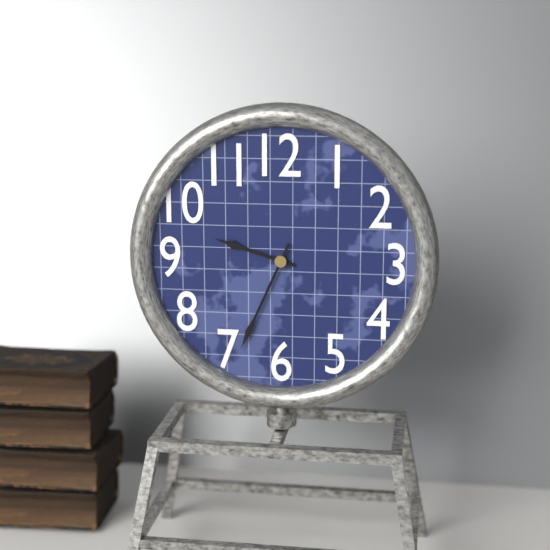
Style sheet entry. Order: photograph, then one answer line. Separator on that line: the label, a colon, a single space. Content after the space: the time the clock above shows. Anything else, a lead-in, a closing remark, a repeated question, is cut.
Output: 9:34
